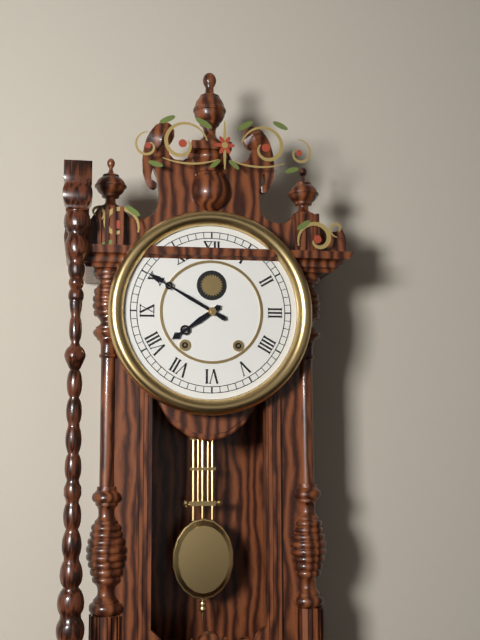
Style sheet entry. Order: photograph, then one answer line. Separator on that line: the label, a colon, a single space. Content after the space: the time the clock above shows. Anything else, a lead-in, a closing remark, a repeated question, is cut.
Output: 7:50
